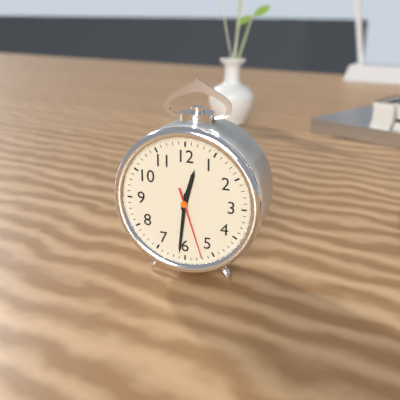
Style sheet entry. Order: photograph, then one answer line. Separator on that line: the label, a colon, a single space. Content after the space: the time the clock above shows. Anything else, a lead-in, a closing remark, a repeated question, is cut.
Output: 12:31:27
